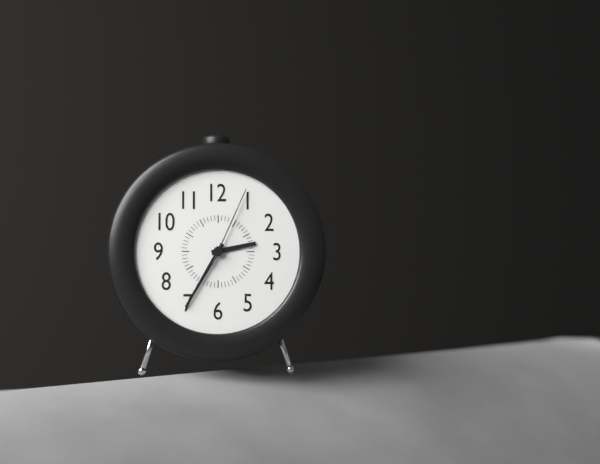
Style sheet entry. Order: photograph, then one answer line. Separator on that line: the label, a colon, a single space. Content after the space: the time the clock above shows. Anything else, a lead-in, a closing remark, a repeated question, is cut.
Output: 2:35:04
